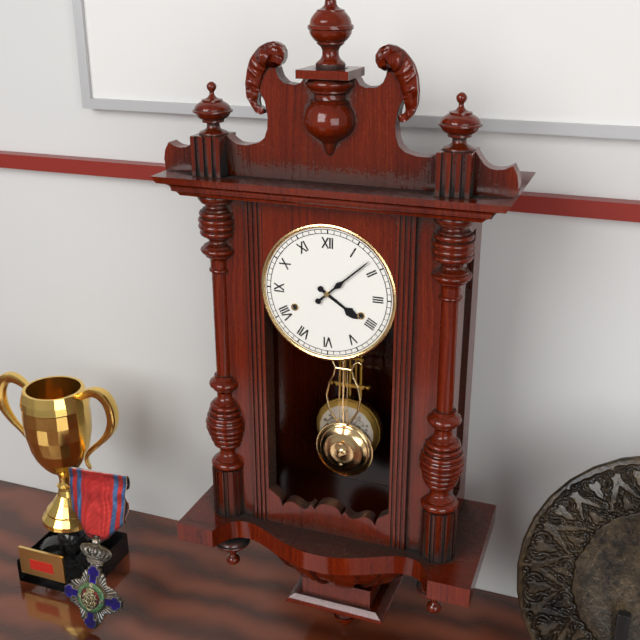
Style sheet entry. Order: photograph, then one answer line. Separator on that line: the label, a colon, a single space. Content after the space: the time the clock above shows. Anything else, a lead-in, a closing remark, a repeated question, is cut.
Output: 4:08
